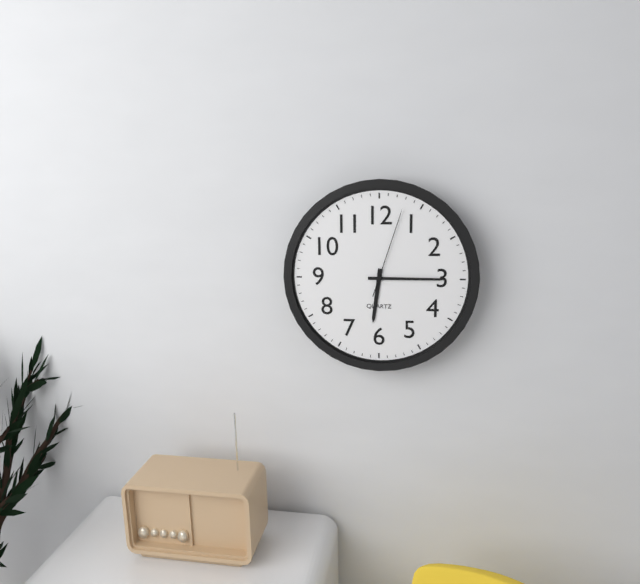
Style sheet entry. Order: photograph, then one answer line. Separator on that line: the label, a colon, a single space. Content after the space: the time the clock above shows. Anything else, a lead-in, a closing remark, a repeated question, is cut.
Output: 6:15:03
